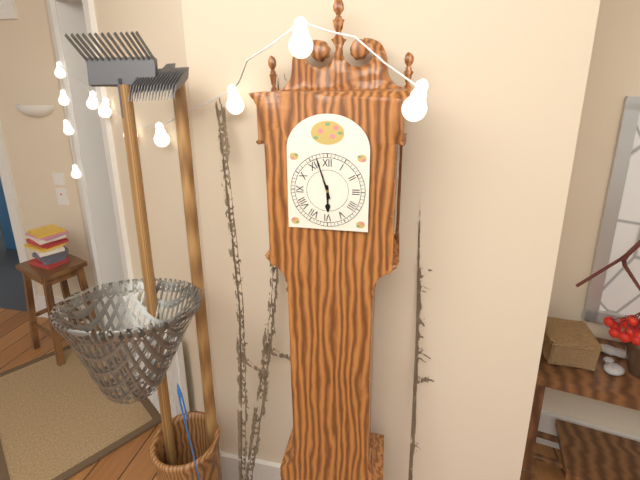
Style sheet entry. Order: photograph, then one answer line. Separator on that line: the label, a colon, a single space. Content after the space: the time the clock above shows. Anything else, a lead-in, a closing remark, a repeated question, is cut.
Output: 5:57
